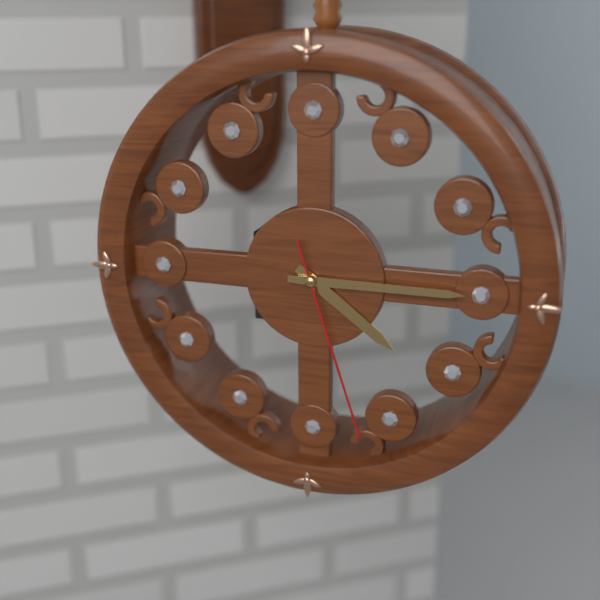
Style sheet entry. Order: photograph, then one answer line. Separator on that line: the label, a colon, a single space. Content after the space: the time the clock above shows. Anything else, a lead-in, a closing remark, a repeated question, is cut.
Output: 4:15:27
